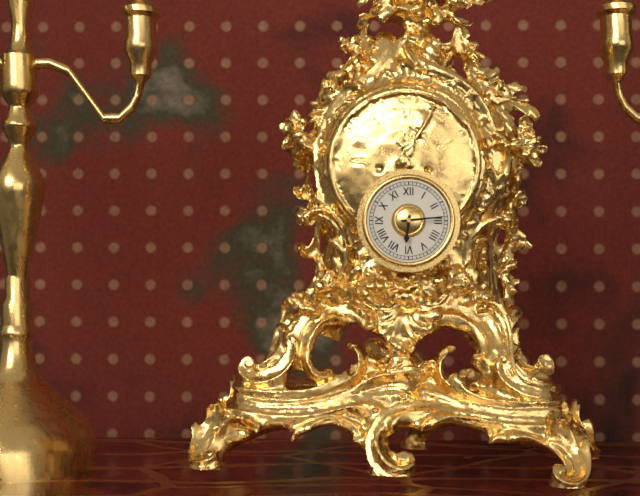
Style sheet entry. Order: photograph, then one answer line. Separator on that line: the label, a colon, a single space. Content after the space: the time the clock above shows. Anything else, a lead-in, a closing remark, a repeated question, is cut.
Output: 6:14
